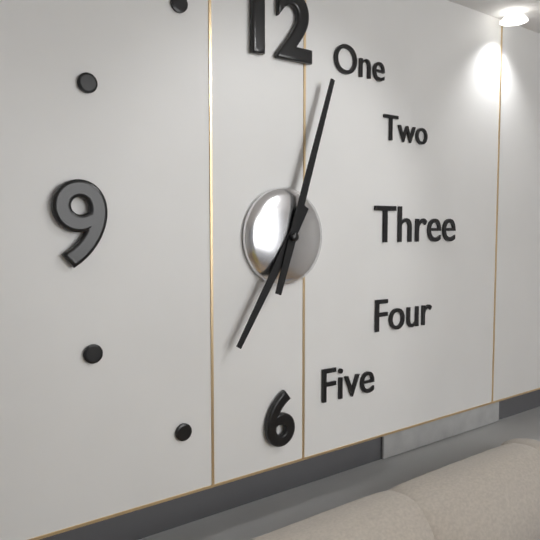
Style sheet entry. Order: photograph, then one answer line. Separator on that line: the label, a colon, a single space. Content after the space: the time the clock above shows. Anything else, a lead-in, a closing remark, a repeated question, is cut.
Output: 7:03
